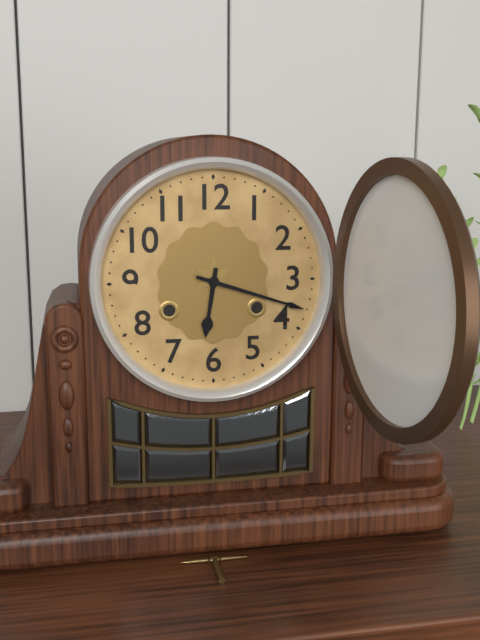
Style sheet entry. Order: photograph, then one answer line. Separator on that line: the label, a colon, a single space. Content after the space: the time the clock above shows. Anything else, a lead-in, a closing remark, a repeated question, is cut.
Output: 6:18
